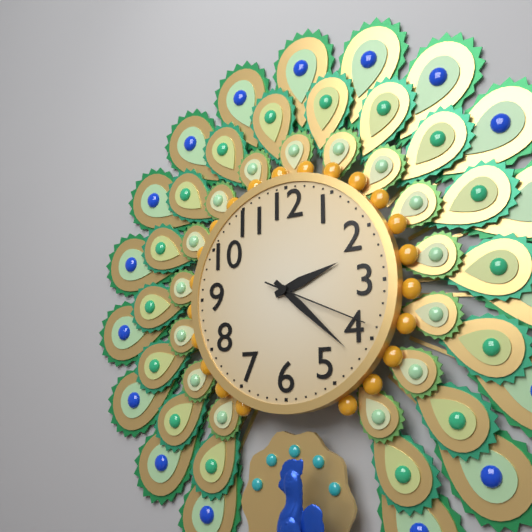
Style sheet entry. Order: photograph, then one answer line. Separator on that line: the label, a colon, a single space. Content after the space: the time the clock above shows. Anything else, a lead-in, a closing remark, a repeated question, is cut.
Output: 2:22:19
